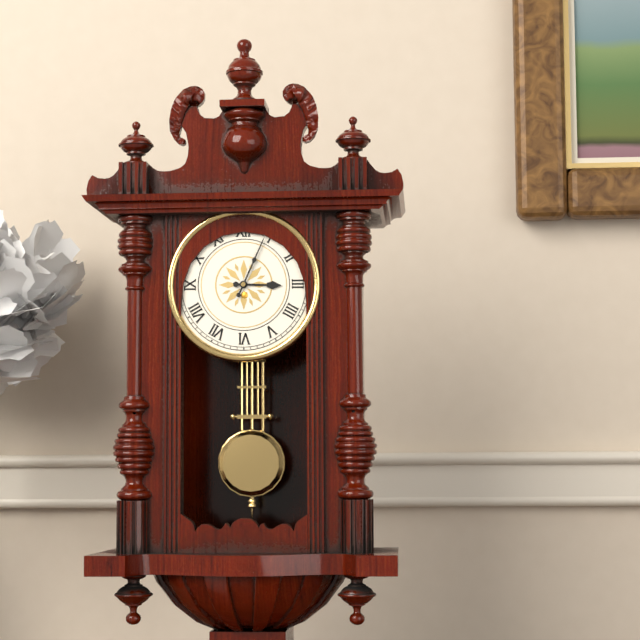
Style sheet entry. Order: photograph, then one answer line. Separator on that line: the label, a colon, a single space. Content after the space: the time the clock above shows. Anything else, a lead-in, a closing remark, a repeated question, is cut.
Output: 3:04
